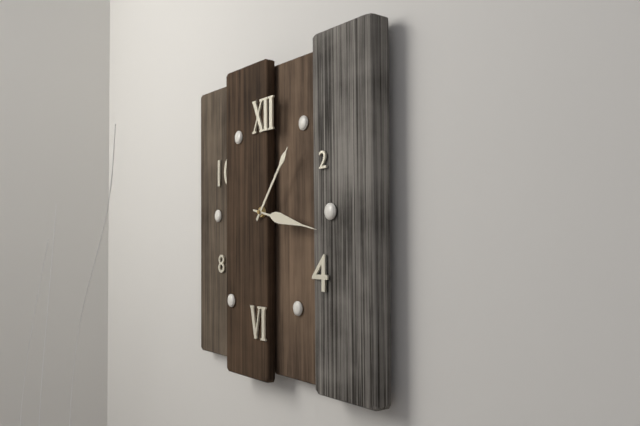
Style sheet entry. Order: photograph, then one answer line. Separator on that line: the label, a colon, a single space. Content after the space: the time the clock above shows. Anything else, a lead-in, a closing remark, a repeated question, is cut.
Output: 1:17
